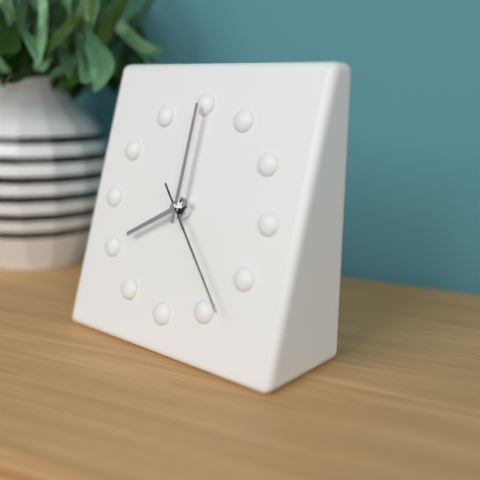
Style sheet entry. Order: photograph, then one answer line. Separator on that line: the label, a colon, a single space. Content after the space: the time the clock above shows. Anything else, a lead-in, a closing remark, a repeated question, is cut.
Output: 8:00:23
